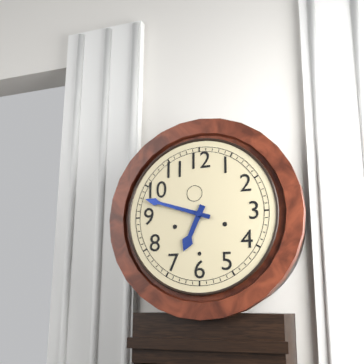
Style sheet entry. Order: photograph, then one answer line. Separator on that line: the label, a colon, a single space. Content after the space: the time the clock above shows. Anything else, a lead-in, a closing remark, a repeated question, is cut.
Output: 6:48
